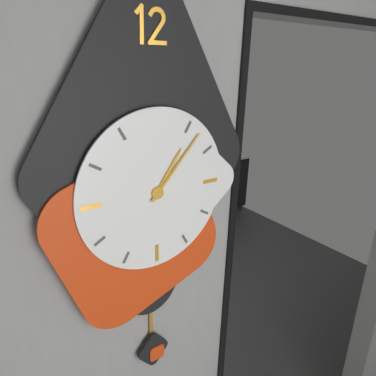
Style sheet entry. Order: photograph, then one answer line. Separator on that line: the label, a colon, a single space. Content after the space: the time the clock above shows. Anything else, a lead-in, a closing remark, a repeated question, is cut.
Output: 1:07
